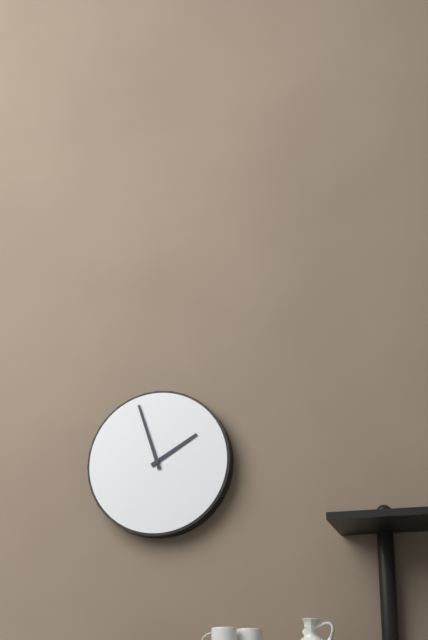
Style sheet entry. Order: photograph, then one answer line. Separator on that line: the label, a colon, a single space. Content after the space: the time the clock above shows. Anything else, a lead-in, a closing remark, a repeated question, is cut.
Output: 1:57
